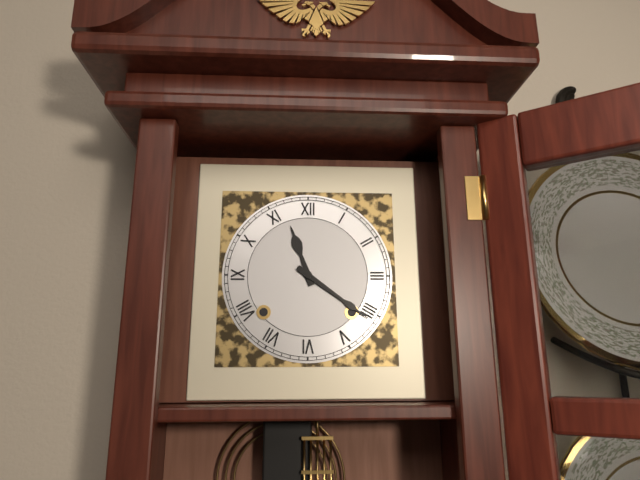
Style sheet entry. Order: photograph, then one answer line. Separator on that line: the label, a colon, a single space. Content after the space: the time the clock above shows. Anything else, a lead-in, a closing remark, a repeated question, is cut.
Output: 11:21
